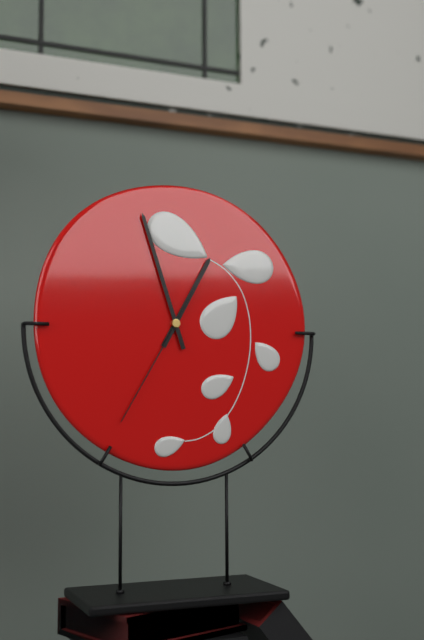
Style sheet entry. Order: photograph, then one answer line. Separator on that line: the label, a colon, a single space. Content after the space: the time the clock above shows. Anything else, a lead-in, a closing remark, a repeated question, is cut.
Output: 12:57:35
